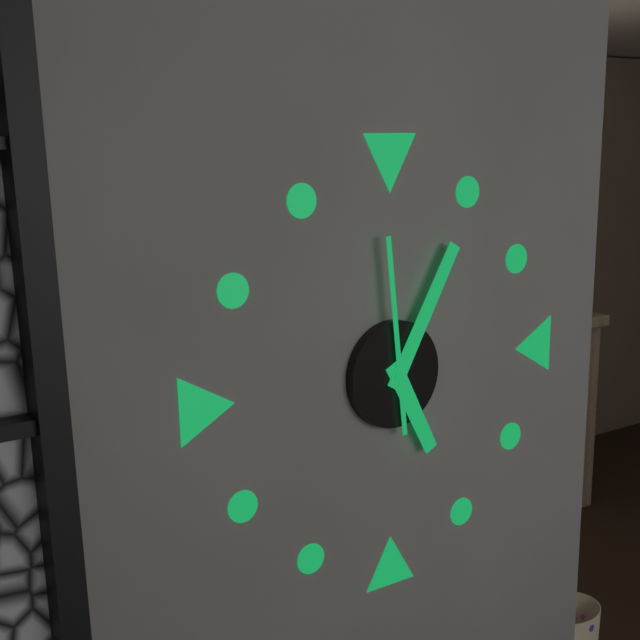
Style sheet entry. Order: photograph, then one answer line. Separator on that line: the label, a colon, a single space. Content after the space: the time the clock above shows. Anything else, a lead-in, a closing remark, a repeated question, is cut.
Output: 5:05:59
